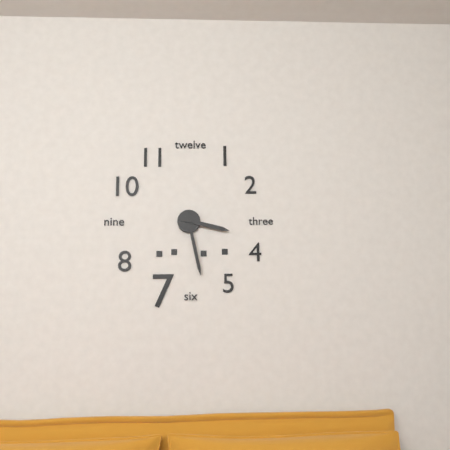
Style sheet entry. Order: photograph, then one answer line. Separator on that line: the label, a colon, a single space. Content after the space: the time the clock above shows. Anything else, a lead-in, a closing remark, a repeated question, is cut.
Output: 3:28
